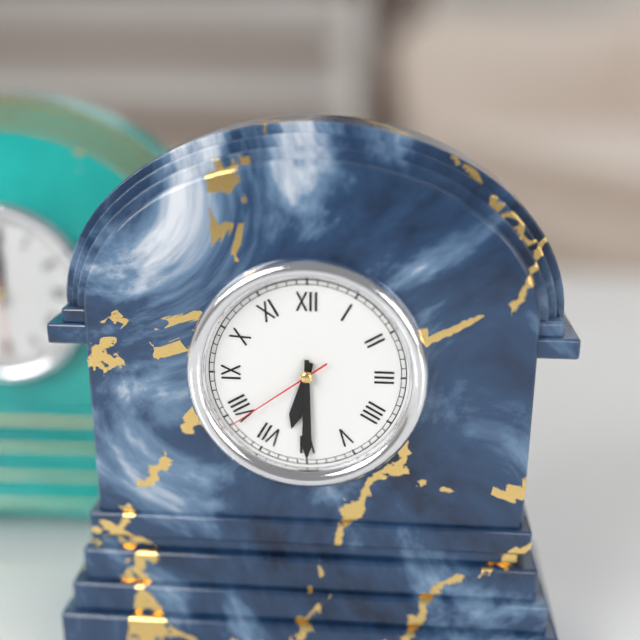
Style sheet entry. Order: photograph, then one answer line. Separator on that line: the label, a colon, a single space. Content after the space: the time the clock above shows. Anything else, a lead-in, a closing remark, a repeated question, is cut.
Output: 6:30:39
